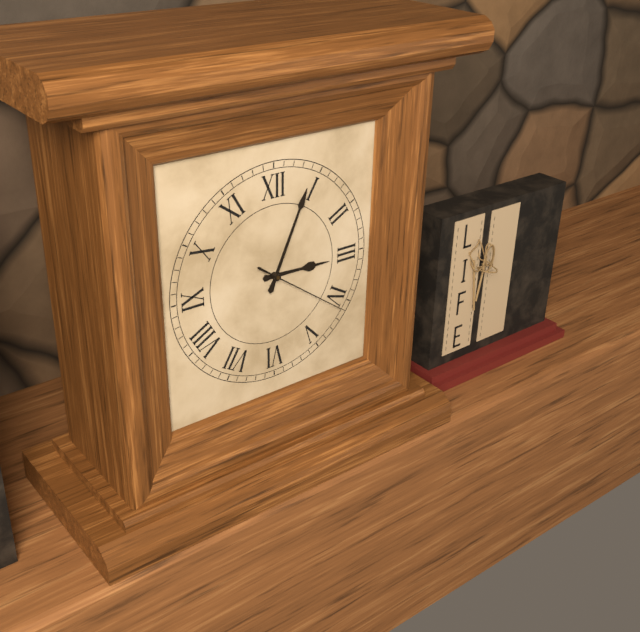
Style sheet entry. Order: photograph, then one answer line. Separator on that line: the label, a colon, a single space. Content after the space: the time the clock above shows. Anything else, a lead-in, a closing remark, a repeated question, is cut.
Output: 3:04:21
